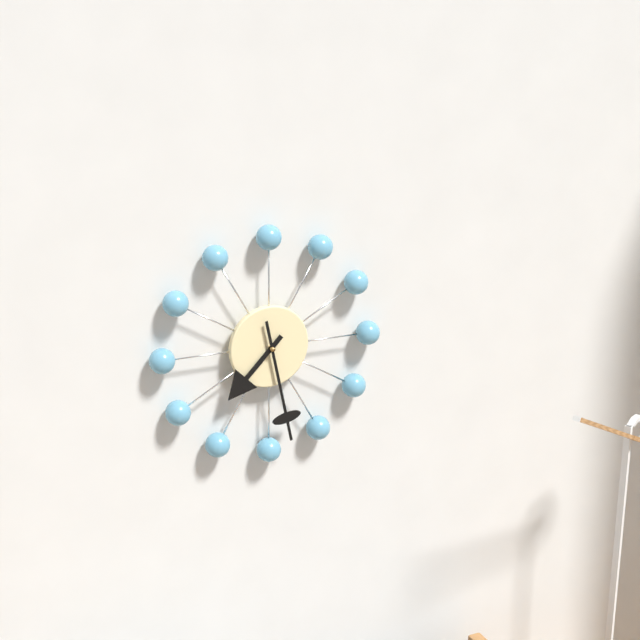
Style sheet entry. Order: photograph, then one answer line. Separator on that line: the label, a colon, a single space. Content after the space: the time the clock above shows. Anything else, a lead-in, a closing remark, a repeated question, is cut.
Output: 7:28
